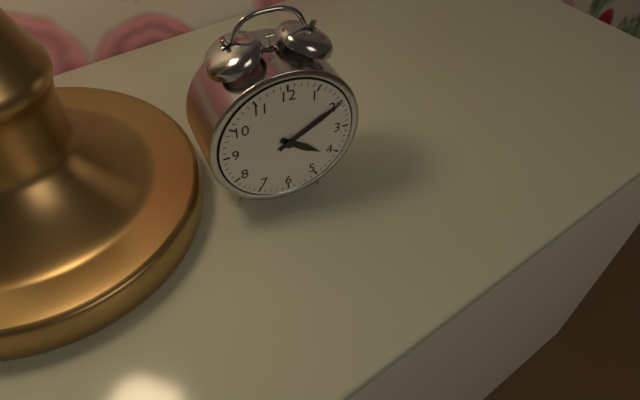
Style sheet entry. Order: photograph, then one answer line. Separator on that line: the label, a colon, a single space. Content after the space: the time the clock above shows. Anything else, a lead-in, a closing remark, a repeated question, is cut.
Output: 4:10
